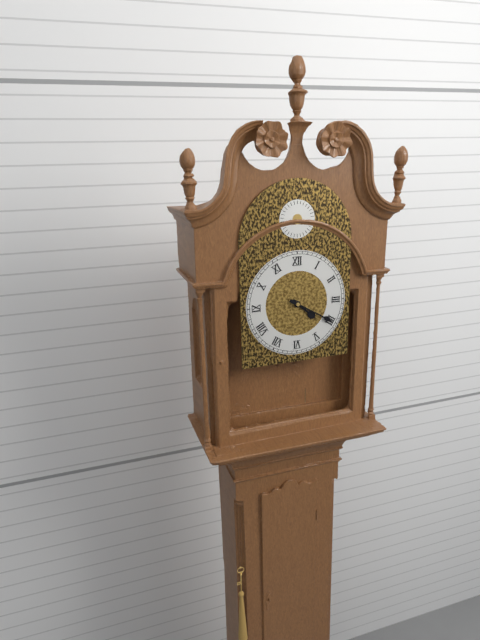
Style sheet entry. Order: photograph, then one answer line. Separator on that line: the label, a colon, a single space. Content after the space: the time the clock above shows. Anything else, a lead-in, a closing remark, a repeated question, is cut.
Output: 4:20
